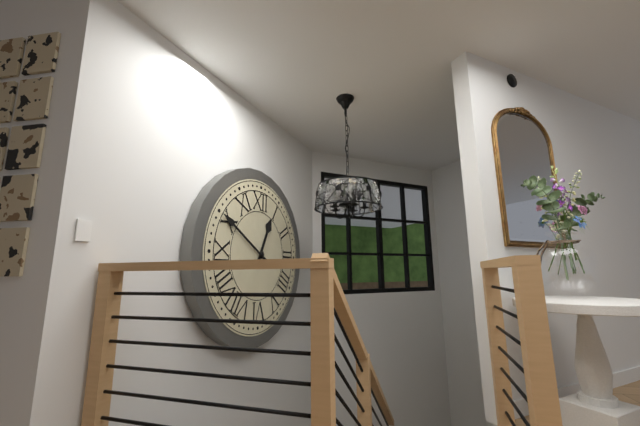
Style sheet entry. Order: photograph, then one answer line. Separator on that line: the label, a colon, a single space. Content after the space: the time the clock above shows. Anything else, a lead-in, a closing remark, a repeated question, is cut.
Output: 12:50
